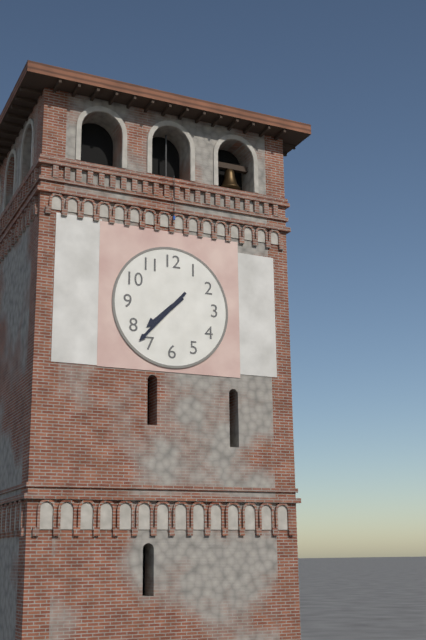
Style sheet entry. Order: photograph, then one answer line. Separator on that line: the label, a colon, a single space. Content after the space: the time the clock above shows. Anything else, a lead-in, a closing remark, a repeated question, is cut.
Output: 7:37
